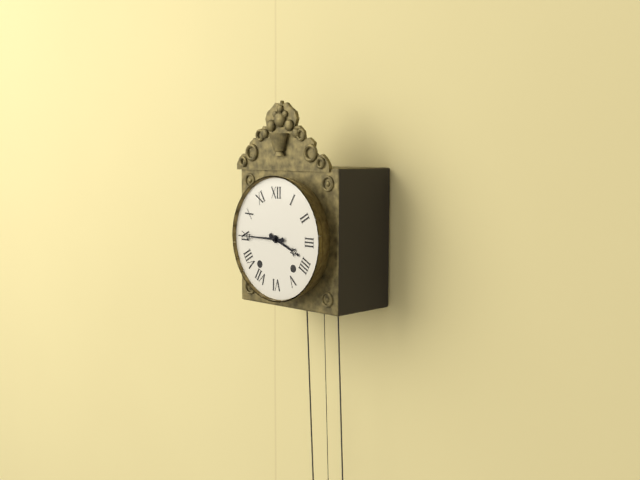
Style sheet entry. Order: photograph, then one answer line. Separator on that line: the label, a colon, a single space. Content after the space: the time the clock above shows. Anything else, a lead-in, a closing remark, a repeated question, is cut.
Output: 3:45
